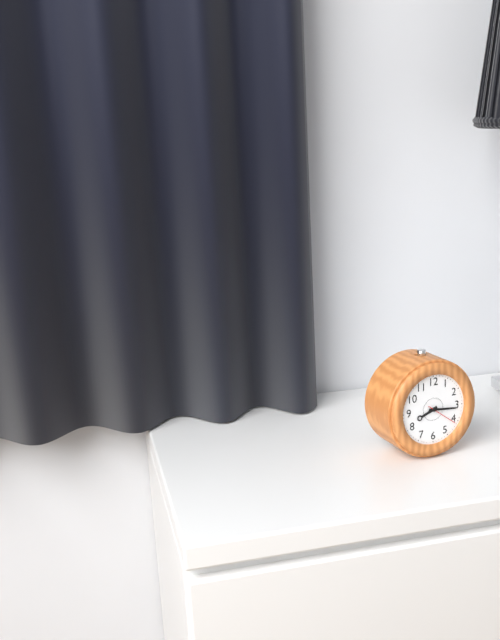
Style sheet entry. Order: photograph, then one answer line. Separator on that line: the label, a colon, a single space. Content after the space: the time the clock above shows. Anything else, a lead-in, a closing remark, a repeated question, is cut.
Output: 8:16:21
